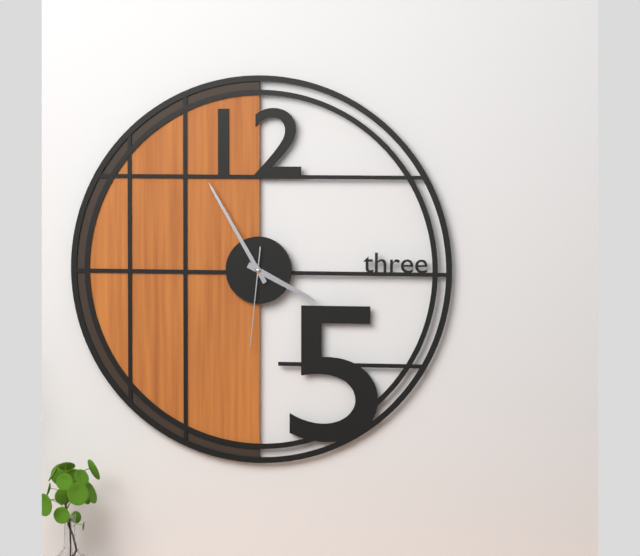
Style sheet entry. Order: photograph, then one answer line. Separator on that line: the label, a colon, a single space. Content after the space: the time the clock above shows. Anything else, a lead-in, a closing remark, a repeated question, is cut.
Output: 3:55:31
